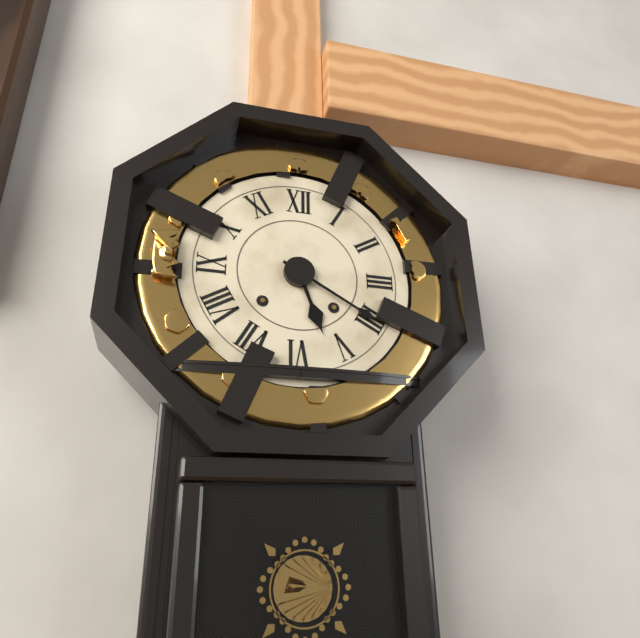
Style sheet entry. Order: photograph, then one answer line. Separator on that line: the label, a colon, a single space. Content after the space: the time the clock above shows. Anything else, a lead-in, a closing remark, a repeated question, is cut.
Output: 5:20
